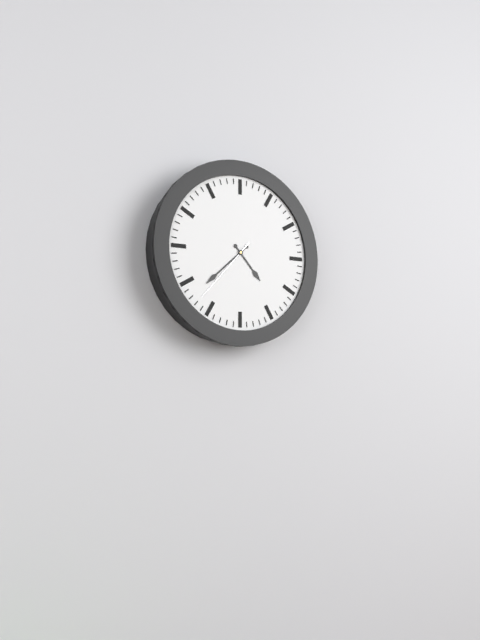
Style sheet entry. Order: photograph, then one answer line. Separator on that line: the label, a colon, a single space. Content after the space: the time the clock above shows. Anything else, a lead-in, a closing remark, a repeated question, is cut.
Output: 4:38:37
